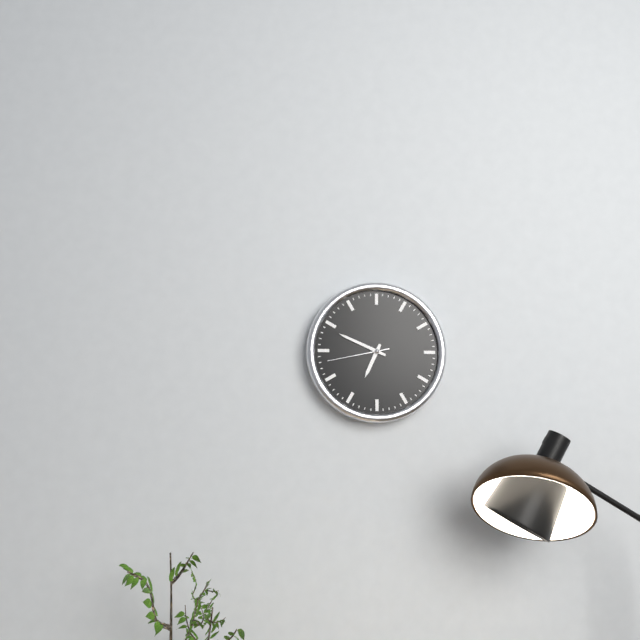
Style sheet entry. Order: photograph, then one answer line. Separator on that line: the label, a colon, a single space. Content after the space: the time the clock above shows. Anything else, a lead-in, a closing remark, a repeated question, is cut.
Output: 6:49:43
